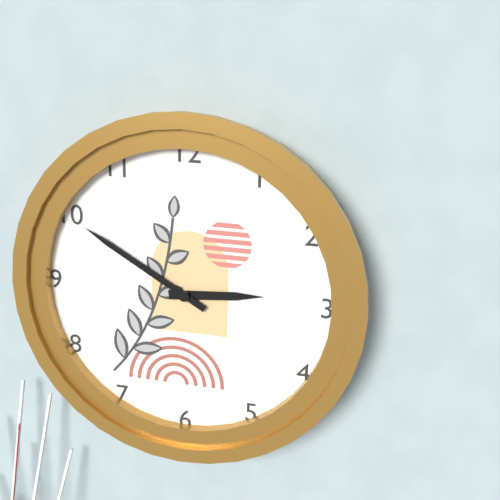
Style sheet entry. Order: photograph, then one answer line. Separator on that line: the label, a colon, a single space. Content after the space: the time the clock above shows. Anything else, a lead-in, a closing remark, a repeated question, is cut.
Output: 2:50
